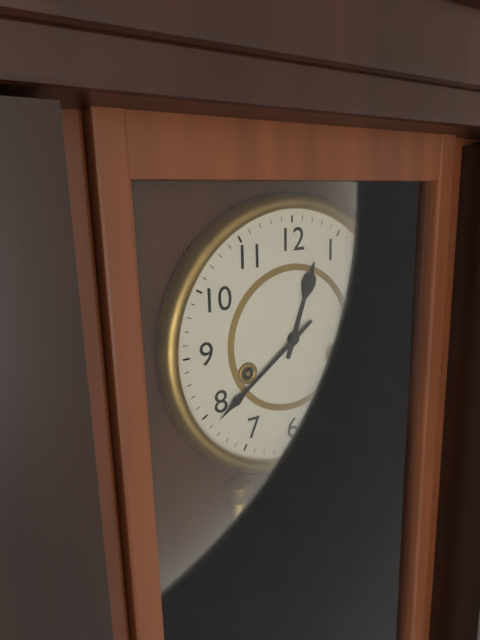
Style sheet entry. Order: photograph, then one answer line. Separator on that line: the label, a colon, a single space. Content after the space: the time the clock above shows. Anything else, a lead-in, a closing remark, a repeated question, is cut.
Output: 12:39
